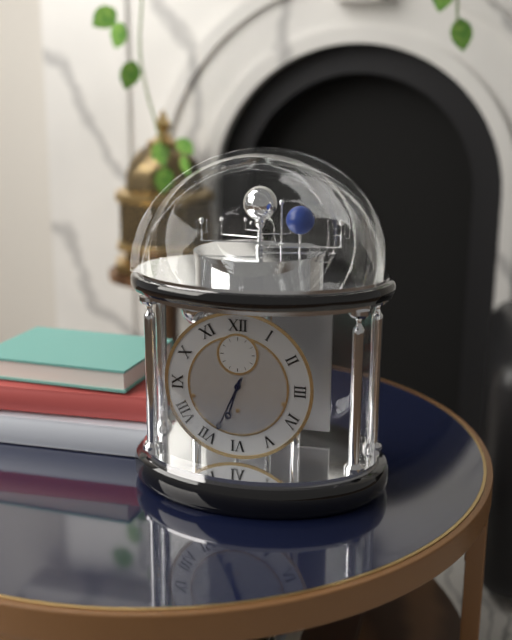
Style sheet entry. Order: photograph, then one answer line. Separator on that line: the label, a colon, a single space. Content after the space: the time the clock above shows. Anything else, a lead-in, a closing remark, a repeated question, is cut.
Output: 6:34
